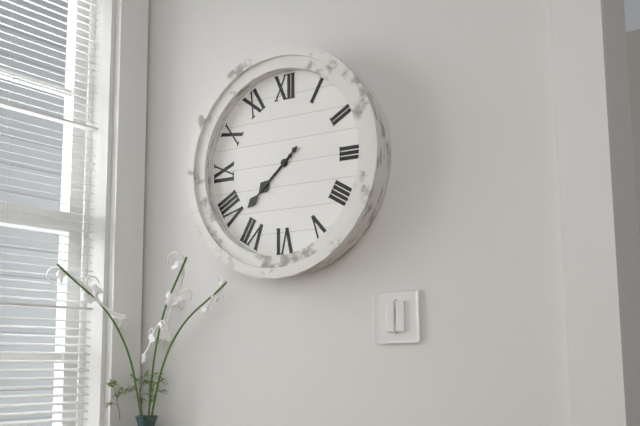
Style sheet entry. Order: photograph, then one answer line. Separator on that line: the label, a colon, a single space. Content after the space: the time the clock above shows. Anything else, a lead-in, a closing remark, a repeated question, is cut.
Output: 7:38
